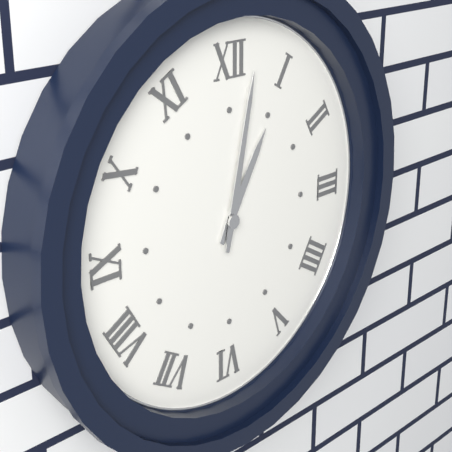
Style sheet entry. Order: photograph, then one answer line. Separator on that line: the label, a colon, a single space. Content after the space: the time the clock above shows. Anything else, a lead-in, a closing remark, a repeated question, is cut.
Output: 1:02
